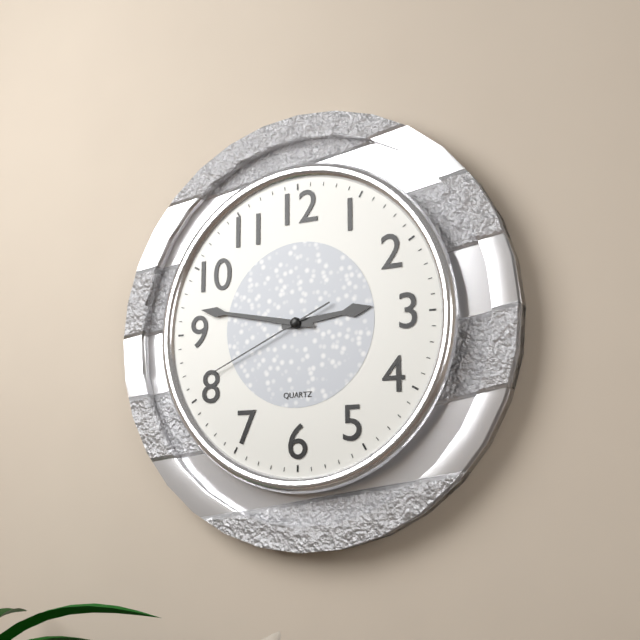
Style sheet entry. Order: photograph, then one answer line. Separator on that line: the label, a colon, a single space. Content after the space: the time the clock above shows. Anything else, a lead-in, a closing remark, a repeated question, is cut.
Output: 2:47:41
